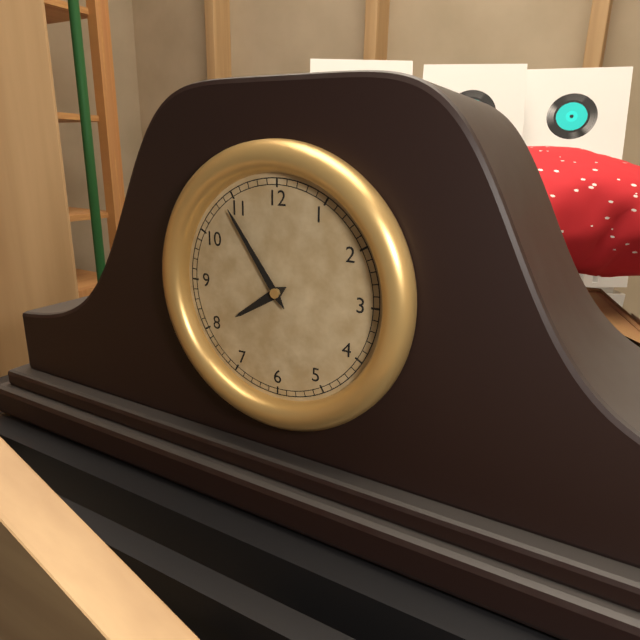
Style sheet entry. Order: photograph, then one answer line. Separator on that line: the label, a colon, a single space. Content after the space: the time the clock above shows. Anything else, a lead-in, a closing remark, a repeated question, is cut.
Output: 7:54
